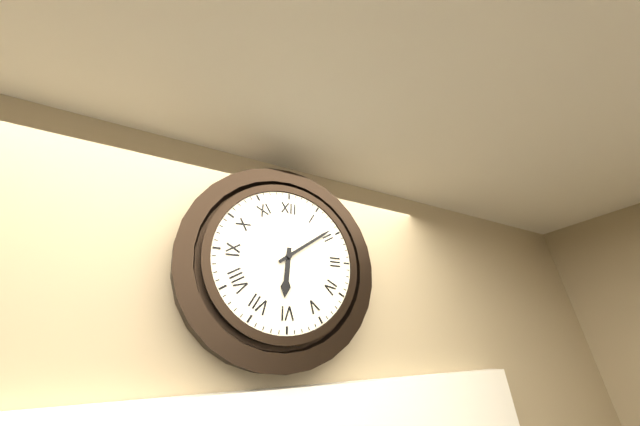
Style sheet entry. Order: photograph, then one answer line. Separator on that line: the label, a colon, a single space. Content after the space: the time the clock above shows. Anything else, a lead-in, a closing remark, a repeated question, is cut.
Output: 6:09
